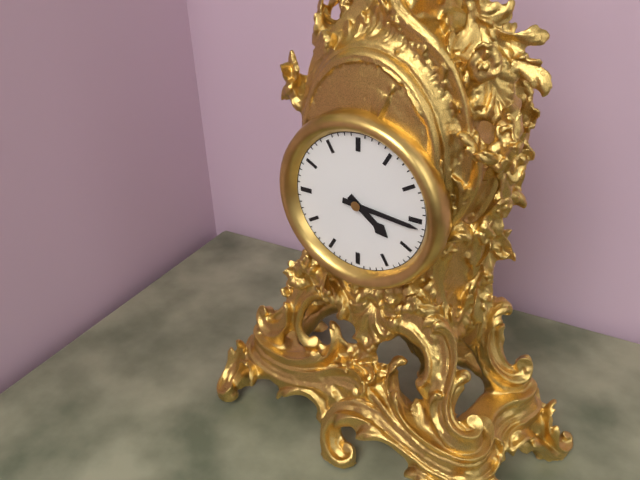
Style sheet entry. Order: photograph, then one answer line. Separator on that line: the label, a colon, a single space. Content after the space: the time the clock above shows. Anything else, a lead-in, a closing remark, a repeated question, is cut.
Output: 4:16
